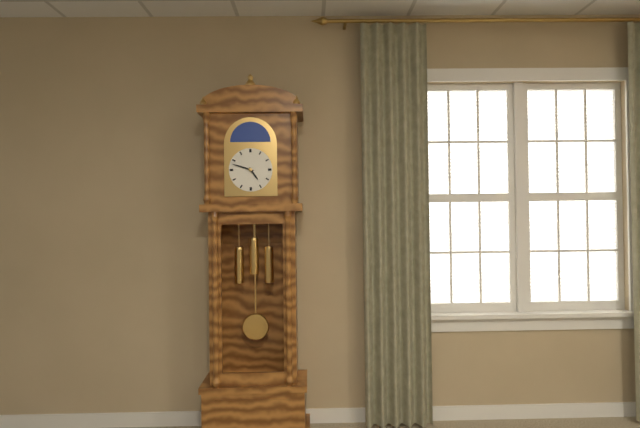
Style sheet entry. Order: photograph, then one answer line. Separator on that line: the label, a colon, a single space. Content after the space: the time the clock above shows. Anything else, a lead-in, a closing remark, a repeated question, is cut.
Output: 4:48
